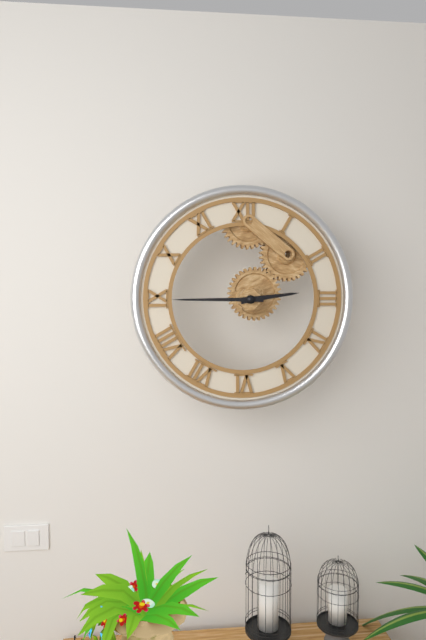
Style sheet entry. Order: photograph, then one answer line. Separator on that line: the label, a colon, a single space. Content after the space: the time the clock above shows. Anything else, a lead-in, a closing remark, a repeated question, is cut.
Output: 2:45
